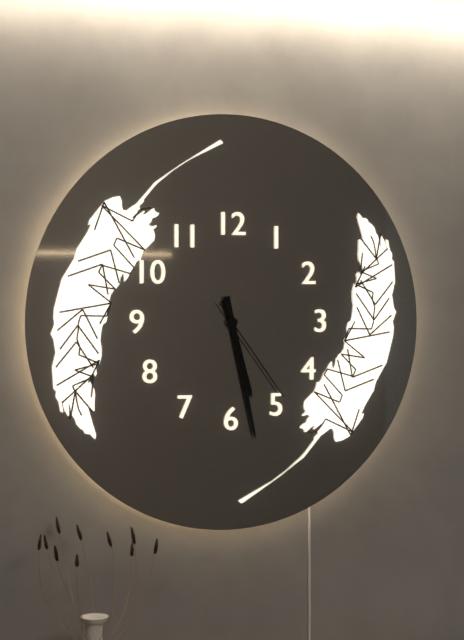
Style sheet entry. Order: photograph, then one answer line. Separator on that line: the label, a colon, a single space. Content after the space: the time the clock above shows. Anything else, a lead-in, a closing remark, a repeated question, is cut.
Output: 5:28:24
